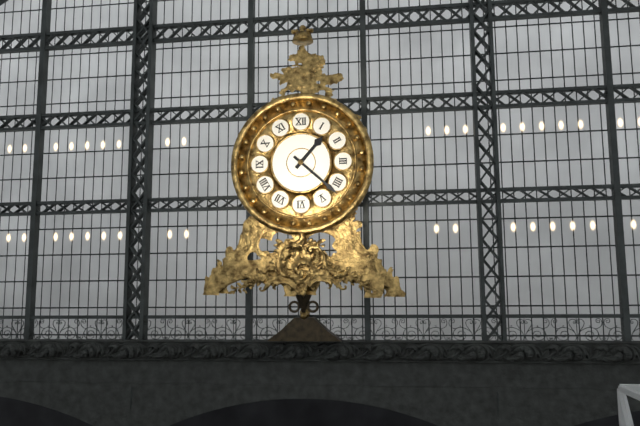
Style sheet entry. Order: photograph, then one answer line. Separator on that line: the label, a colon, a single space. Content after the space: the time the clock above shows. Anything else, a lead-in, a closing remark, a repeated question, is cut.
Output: 1:22
